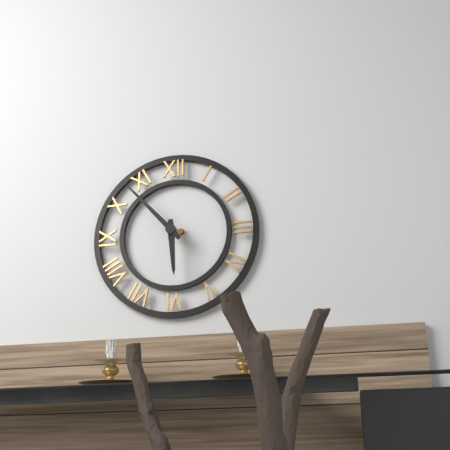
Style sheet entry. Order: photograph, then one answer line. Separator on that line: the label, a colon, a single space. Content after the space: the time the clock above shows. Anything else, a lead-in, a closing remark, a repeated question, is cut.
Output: 5:53
